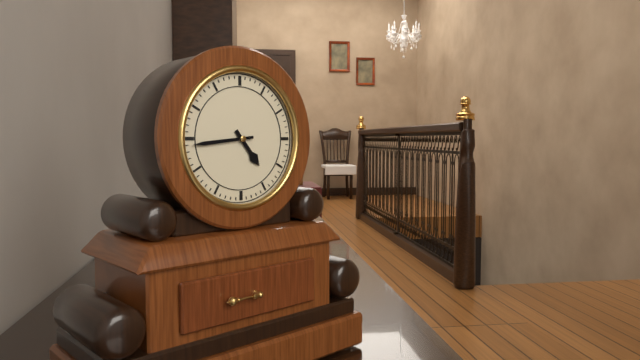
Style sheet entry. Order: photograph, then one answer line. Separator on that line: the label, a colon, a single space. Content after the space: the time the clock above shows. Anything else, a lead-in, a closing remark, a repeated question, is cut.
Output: 4:44
